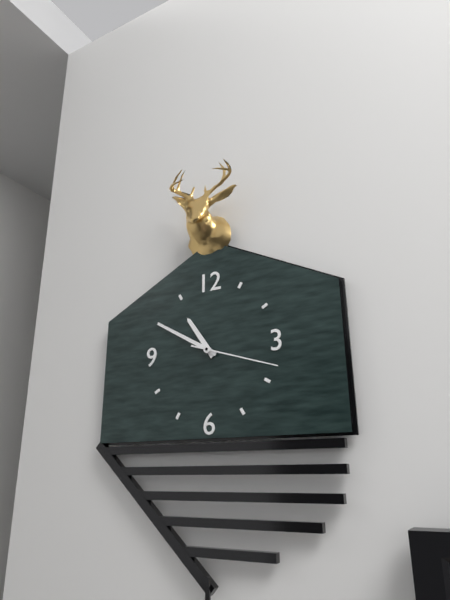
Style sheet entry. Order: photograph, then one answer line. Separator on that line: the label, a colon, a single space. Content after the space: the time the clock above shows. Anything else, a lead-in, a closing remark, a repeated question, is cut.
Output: 10:50:18
